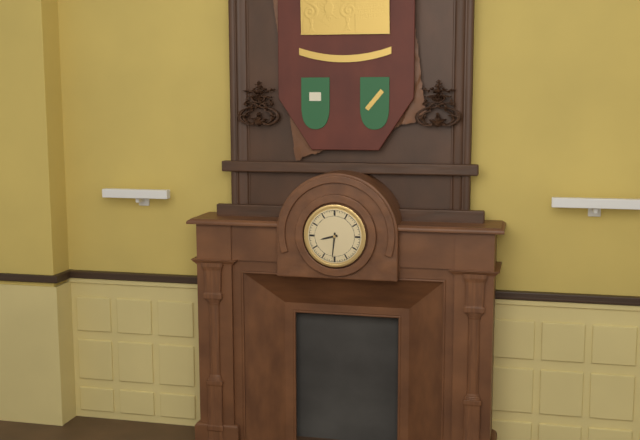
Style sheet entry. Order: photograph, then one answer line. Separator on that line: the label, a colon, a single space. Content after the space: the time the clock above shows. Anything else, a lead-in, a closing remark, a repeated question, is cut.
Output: 8:31
